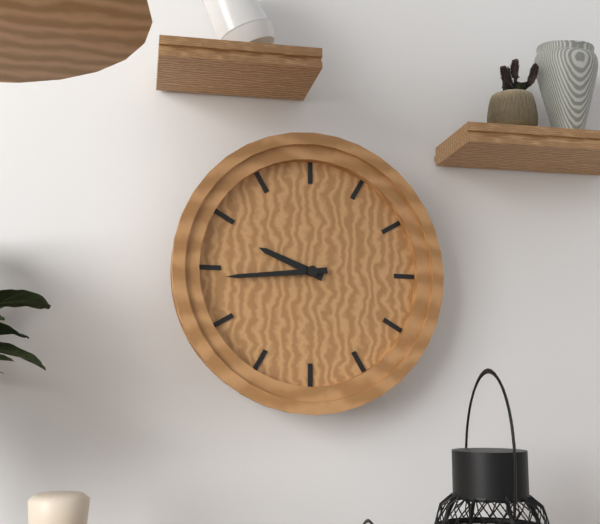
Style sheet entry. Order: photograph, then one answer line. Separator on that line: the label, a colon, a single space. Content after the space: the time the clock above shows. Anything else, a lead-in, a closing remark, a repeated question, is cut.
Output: 9:44
